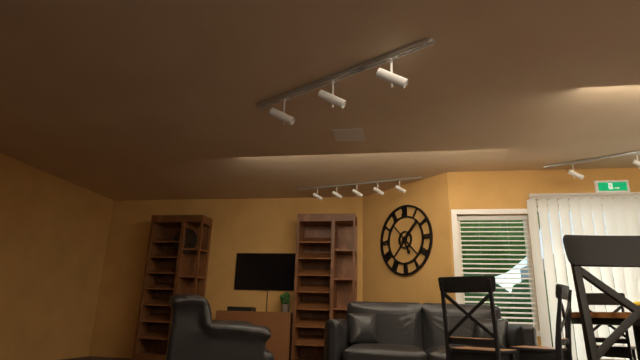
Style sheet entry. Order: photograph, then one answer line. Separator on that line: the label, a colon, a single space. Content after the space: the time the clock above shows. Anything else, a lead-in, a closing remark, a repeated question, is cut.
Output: 5:08
